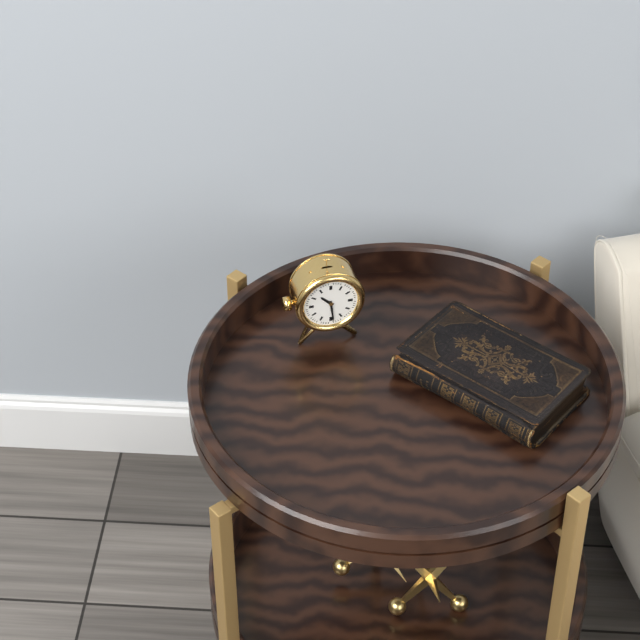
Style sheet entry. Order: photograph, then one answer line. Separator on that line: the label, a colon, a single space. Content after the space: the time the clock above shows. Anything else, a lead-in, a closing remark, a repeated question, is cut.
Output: 10:29
